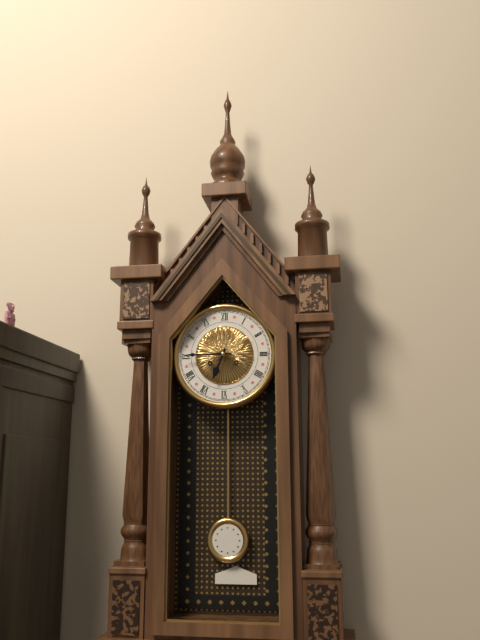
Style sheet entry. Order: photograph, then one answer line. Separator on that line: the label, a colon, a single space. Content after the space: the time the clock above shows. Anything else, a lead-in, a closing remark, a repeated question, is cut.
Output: 6:45
